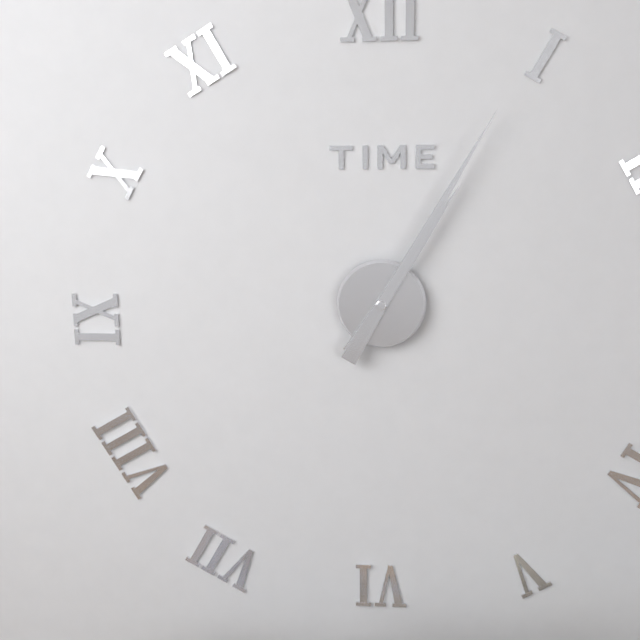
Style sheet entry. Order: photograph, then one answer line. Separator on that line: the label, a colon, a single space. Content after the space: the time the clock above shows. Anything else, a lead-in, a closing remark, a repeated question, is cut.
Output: 1:05
